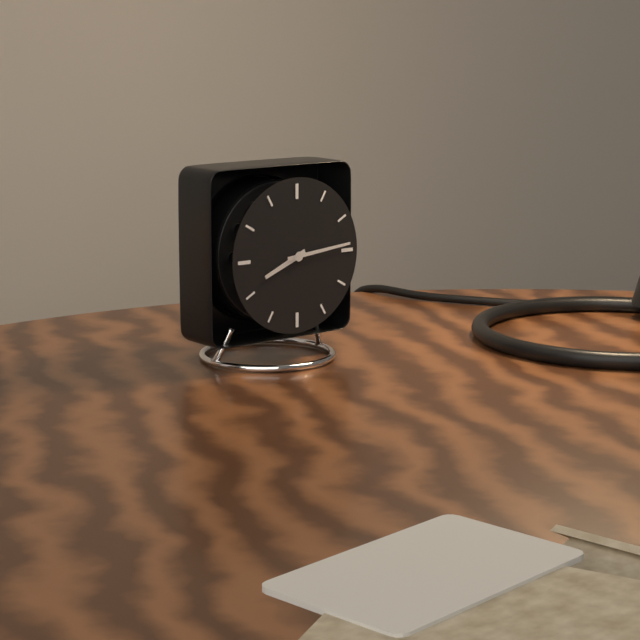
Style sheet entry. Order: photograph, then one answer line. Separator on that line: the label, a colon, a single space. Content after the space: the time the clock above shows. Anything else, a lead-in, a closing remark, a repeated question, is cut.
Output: 8:14
